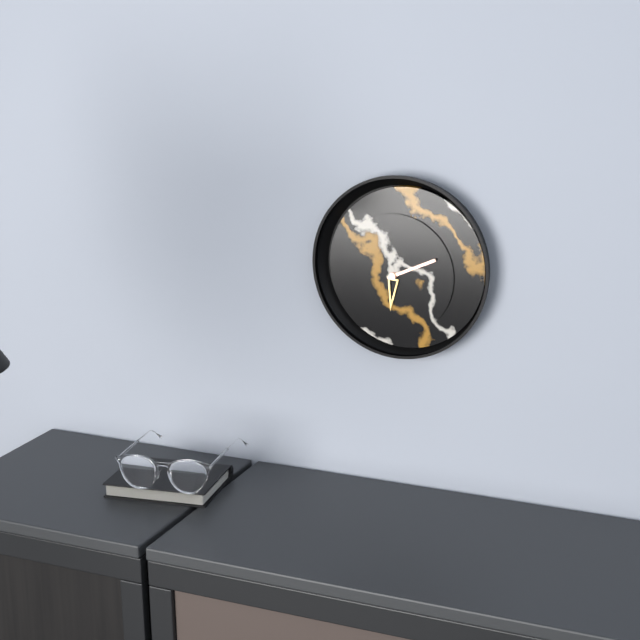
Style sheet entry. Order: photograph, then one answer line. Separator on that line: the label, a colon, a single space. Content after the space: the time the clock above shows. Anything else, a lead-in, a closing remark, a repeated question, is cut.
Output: 6:11
